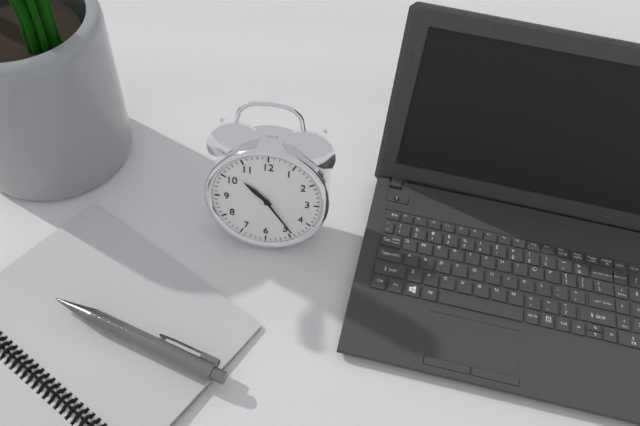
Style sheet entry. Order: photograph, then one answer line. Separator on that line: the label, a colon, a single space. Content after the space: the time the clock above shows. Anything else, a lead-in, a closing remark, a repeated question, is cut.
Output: 10:24
